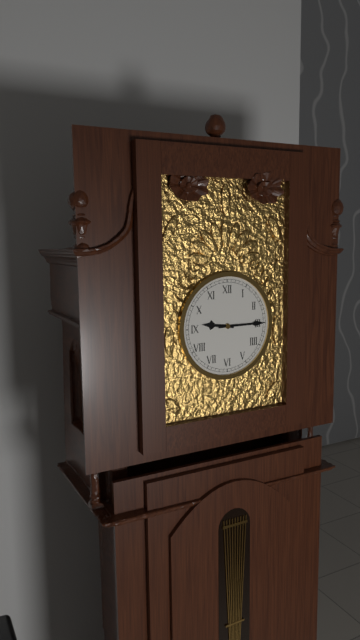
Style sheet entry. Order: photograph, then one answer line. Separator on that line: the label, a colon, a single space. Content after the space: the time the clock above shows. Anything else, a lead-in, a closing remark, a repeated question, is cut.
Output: 9:15
